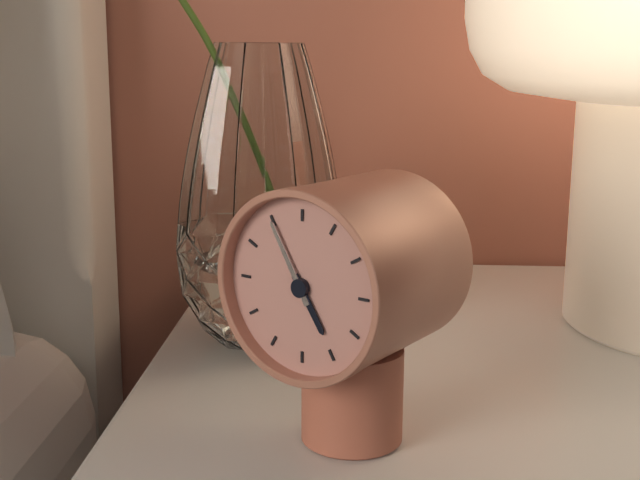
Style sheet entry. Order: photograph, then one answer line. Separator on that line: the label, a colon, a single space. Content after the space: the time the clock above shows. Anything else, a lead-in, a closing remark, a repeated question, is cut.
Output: 4:55
